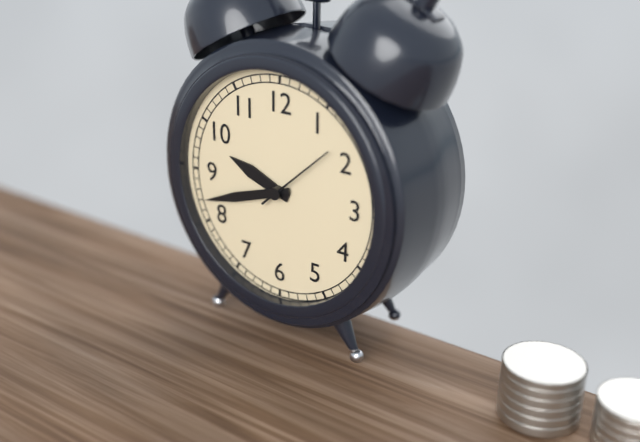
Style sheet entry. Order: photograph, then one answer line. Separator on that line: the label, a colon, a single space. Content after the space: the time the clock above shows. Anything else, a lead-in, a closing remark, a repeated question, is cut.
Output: 9:42:08
